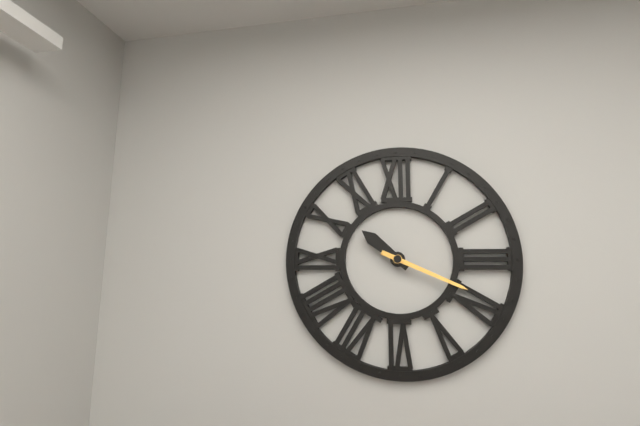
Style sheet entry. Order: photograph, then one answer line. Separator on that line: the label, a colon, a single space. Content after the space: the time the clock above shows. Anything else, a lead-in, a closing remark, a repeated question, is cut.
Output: 10:19
